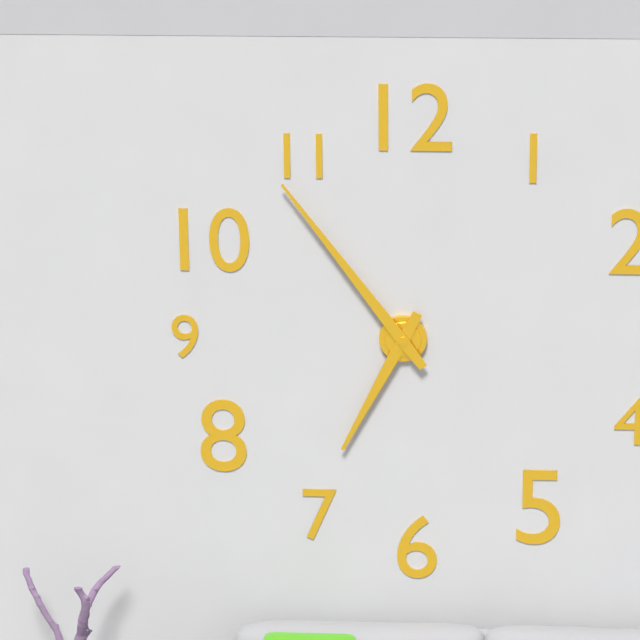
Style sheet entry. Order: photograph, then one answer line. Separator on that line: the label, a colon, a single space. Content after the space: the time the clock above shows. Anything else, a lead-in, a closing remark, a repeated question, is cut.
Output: 6:54
